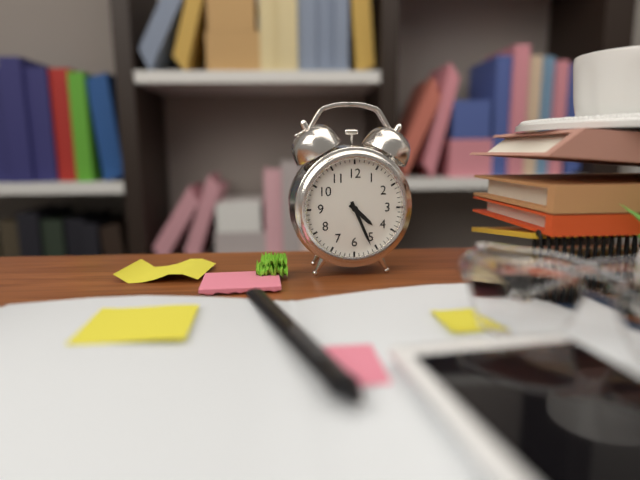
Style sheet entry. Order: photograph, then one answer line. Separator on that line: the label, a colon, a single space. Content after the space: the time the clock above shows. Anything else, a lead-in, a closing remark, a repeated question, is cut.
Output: 4:26
